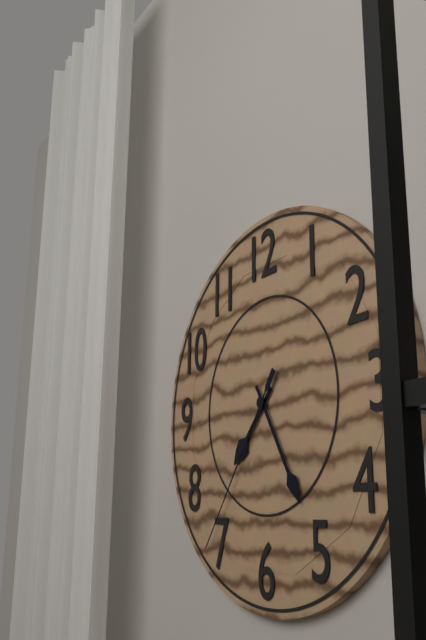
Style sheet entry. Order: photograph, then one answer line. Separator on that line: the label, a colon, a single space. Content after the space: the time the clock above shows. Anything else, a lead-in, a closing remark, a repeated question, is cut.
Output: 7:25:36
